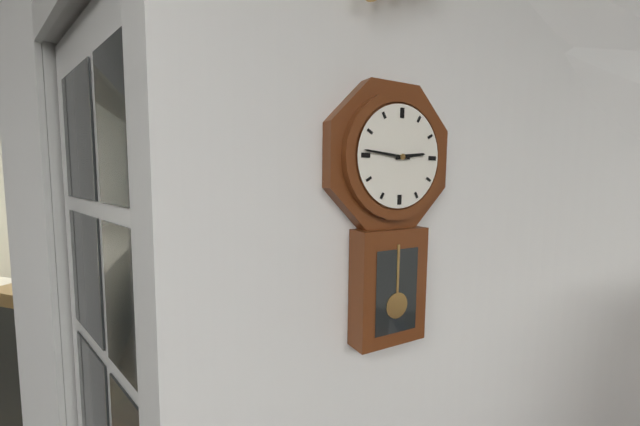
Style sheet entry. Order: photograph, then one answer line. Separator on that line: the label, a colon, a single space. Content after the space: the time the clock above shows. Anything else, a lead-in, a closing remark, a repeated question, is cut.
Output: 2:46
